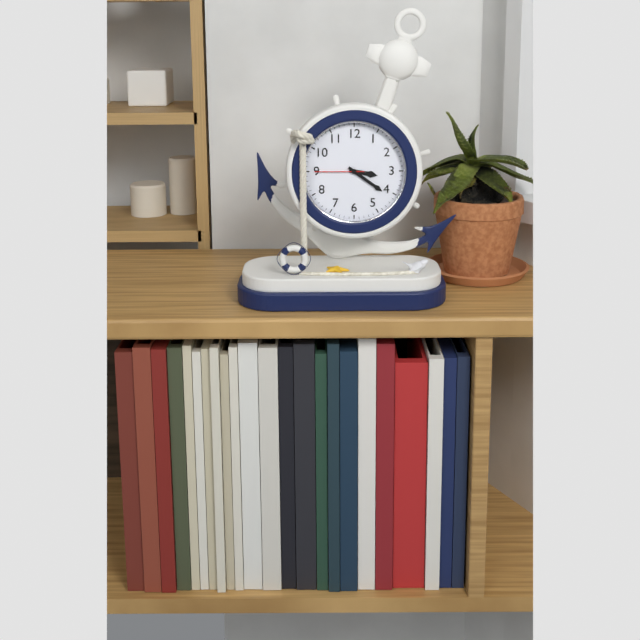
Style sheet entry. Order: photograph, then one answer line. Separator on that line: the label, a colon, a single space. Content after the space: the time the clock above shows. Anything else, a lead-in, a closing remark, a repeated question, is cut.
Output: 3:21:45
